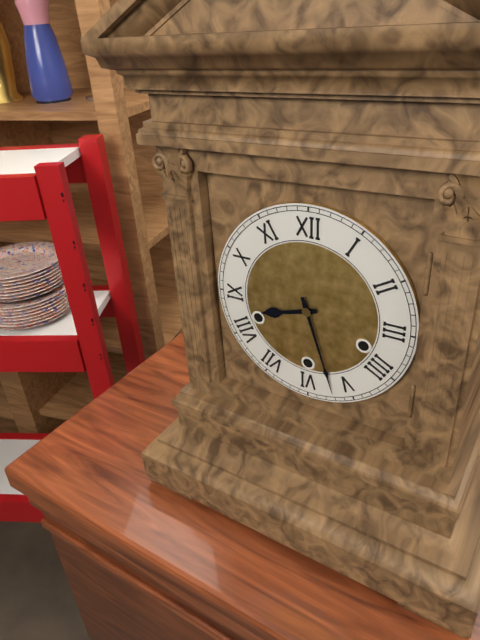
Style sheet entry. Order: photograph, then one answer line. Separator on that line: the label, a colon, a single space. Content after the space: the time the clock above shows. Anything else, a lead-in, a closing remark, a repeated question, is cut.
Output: 8:27
